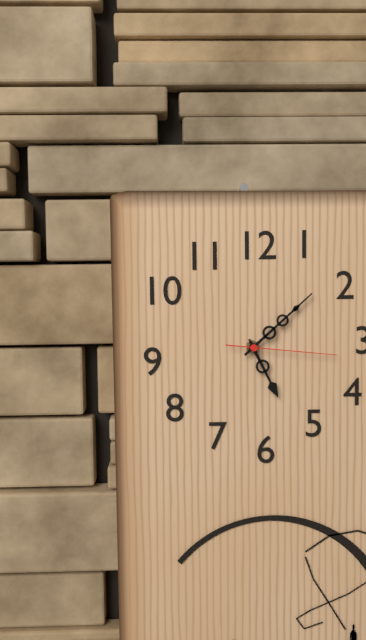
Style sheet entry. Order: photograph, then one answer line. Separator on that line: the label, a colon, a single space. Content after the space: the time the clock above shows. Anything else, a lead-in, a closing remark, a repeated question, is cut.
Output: 5:08:16
